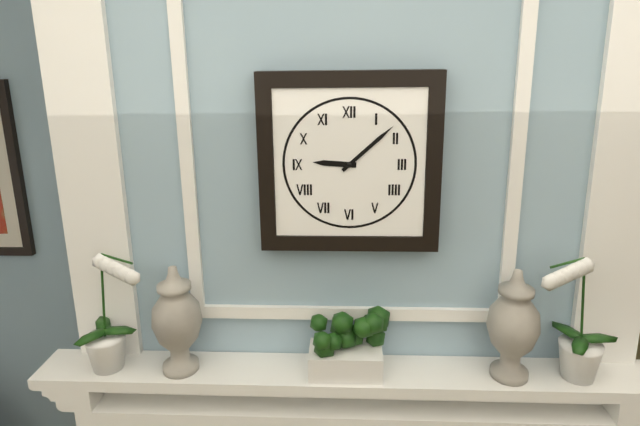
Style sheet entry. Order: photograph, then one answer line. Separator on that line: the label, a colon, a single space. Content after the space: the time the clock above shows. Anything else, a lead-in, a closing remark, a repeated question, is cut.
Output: 9:08
